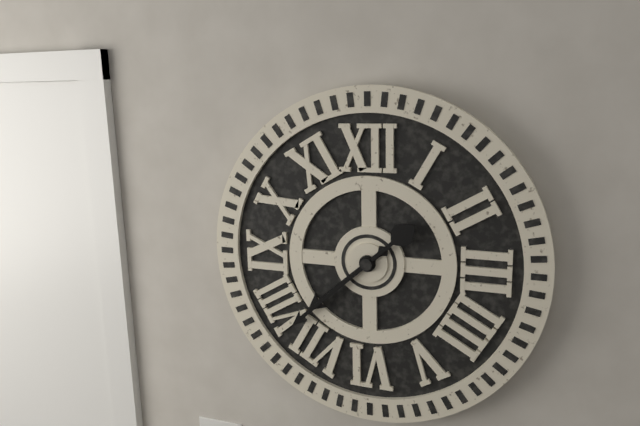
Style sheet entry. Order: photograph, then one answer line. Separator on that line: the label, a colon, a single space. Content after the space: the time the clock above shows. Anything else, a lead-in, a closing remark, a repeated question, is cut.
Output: 7:38
